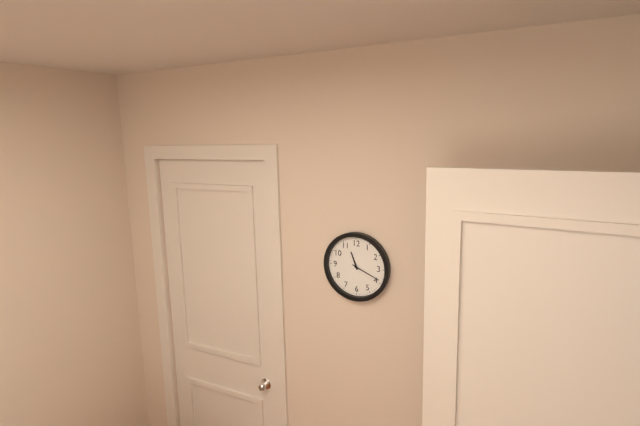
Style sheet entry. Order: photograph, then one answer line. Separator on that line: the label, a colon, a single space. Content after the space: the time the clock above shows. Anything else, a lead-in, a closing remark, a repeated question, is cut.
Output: 11:19
